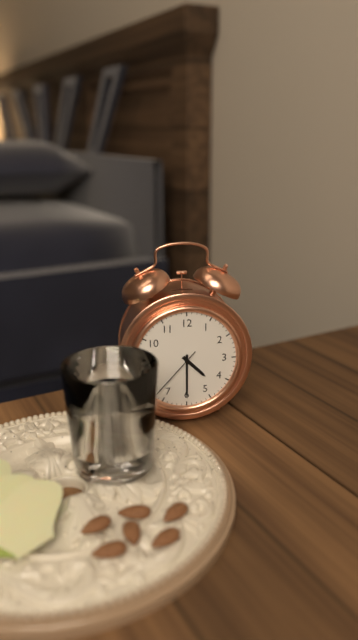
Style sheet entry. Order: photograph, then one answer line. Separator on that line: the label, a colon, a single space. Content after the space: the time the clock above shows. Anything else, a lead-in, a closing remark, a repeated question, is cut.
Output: 4:30:37
